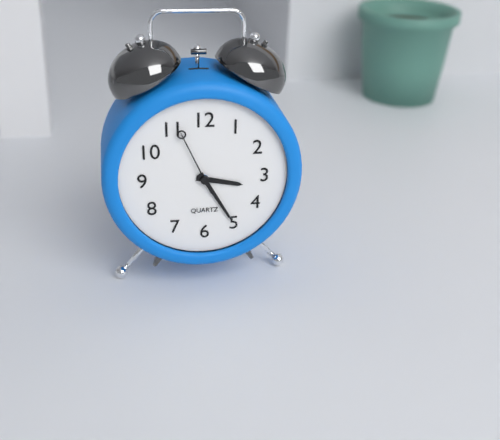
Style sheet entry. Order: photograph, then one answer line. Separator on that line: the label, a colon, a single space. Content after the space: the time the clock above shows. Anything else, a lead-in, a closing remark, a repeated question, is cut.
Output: 3:25:56
